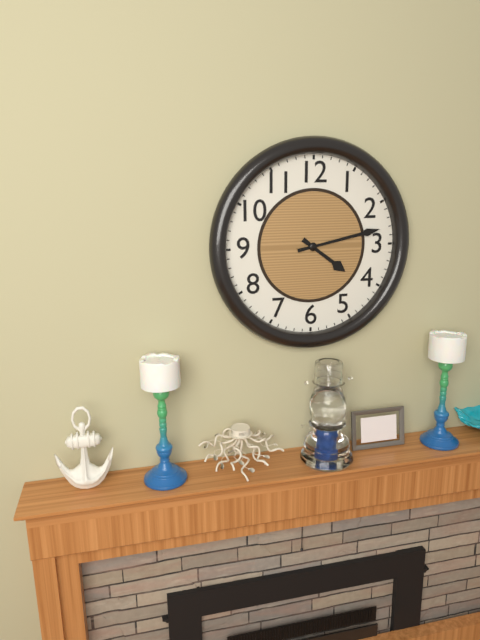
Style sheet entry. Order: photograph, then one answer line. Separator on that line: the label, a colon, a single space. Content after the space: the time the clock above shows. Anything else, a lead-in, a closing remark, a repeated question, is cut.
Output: 4:13
